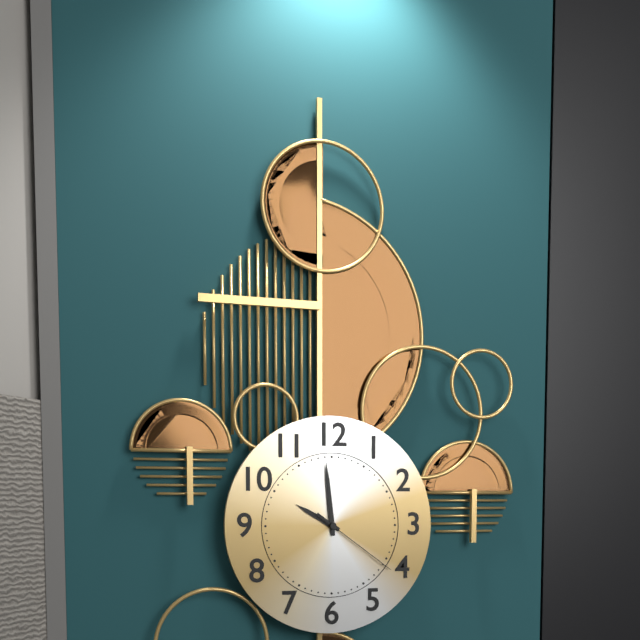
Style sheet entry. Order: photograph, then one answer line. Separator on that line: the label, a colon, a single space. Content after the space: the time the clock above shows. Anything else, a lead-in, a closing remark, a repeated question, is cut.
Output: 9:59:21
